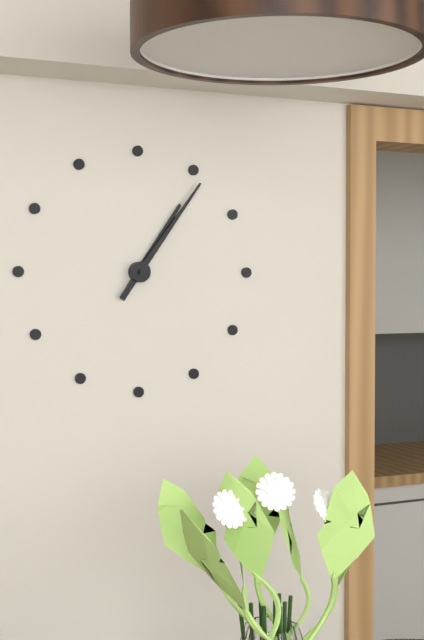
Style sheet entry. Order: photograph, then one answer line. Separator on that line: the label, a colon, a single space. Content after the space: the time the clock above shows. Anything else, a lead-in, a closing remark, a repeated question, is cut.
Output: 1:06
